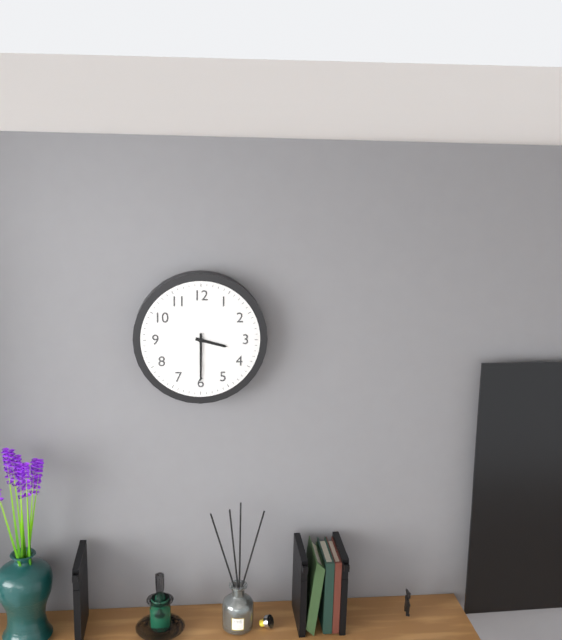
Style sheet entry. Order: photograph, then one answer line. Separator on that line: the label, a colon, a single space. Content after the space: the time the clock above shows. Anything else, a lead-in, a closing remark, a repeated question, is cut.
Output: 3:30
